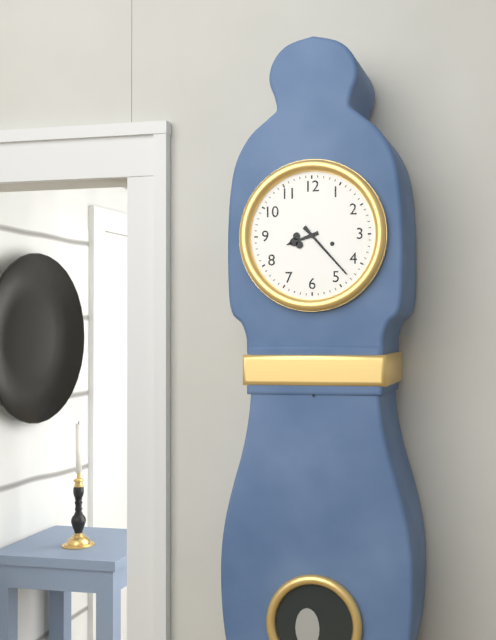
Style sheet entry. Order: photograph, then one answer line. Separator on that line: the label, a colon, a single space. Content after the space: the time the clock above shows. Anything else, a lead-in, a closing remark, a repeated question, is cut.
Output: 8:23
